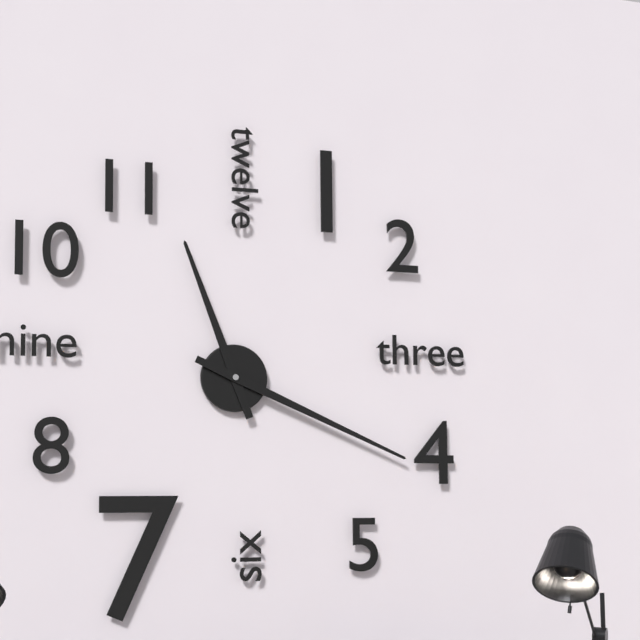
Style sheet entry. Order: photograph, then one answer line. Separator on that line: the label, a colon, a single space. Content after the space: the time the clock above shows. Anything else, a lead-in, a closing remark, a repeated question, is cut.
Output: 11:19
